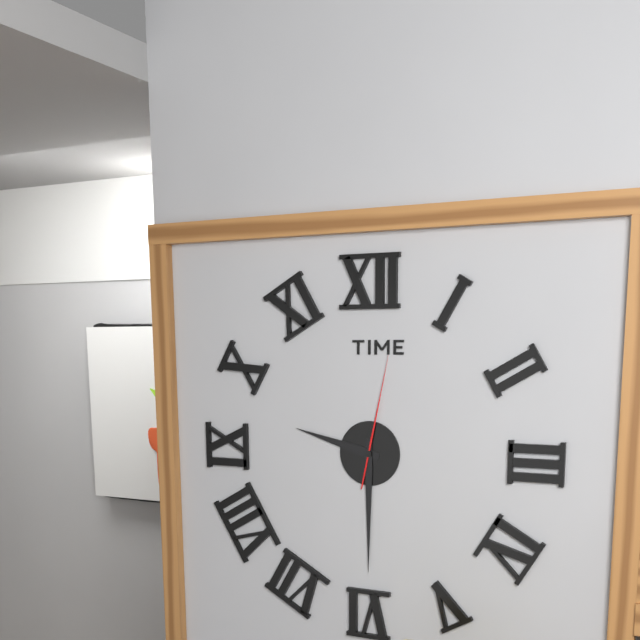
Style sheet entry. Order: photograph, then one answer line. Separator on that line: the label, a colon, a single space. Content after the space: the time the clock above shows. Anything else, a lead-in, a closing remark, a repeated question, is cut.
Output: 9:30:02
